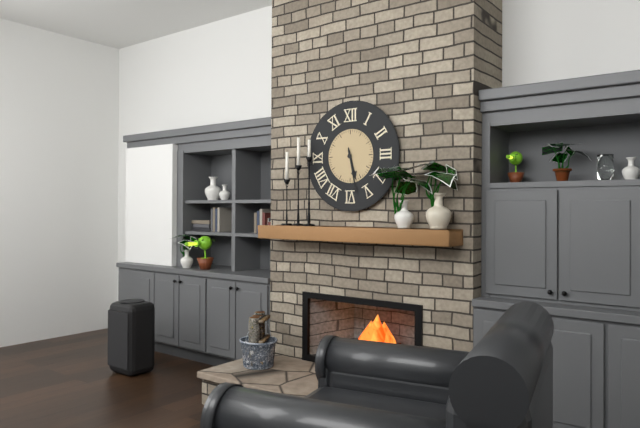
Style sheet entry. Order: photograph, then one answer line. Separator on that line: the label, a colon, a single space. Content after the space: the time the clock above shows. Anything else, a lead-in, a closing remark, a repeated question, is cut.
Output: 5:28
